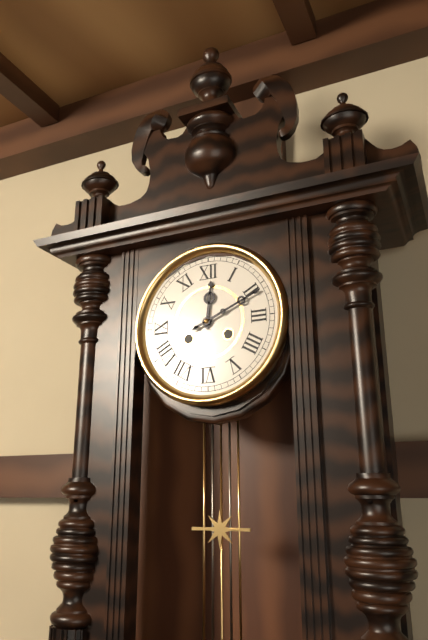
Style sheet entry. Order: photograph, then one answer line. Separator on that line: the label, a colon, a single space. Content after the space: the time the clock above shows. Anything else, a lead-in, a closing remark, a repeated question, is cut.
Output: 12:11
